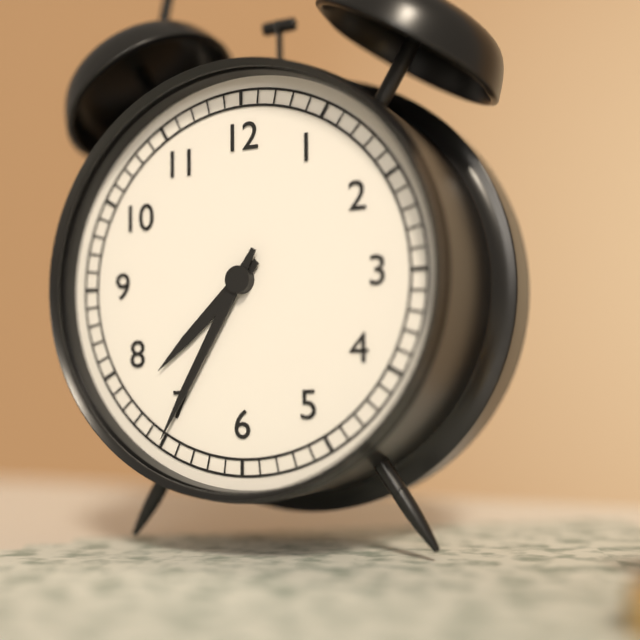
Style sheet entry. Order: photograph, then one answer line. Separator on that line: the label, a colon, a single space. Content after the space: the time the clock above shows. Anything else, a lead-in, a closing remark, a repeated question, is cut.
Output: 7:35
